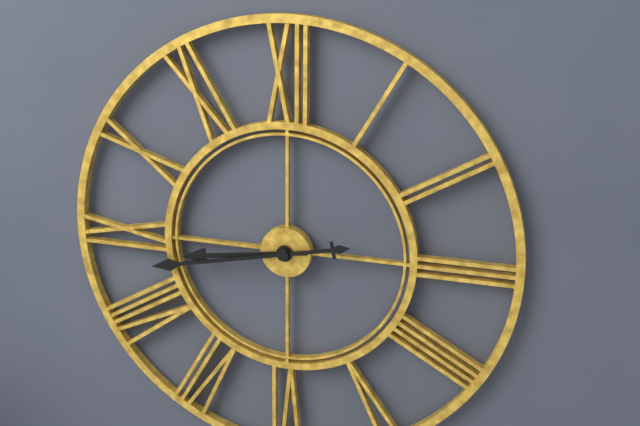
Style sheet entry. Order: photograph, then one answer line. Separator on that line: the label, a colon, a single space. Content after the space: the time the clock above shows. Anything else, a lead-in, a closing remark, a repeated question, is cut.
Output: 8:43
